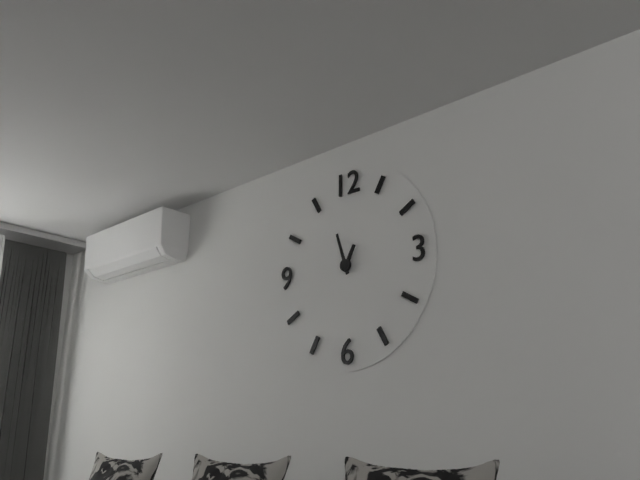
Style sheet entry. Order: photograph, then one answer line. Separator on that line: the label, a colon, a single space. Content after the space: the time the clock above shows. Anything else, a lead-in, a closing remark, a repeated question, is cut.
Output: 12:57
